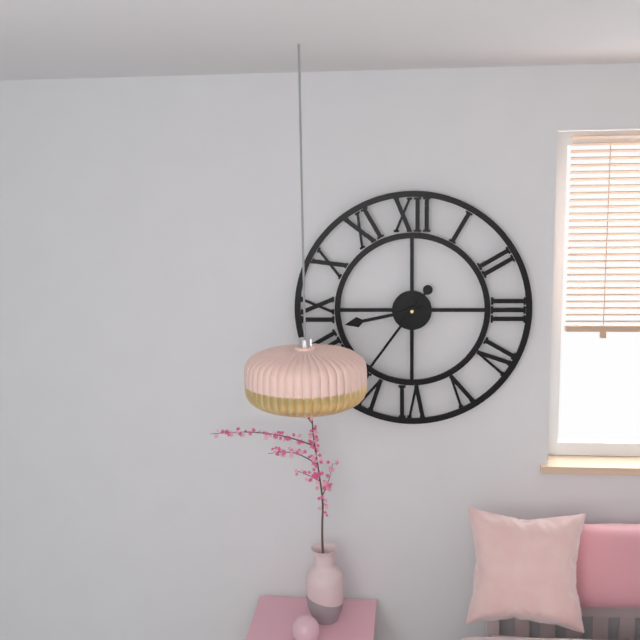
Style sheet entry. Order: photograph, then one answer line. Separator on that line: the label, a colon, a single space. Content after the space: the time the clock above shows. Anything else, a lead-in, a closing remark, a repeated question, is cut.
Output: 8:36
